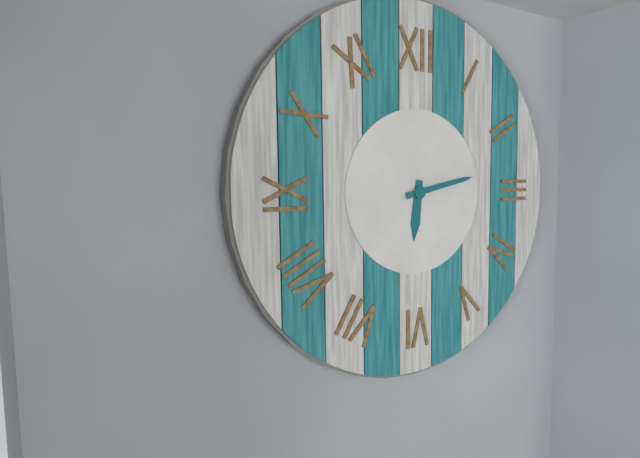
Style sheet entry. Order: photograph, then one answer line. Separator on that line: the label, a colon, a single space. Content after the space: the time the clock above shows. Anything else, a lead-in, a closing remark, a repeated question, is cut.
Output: 6:13
